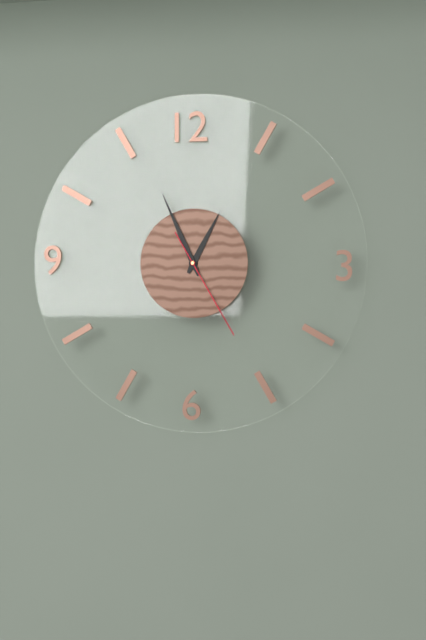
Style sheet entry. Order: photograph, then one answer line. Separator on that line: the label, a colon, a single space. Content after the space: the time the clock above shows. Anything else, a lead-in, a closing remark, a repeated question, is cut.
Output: 12:56:25
